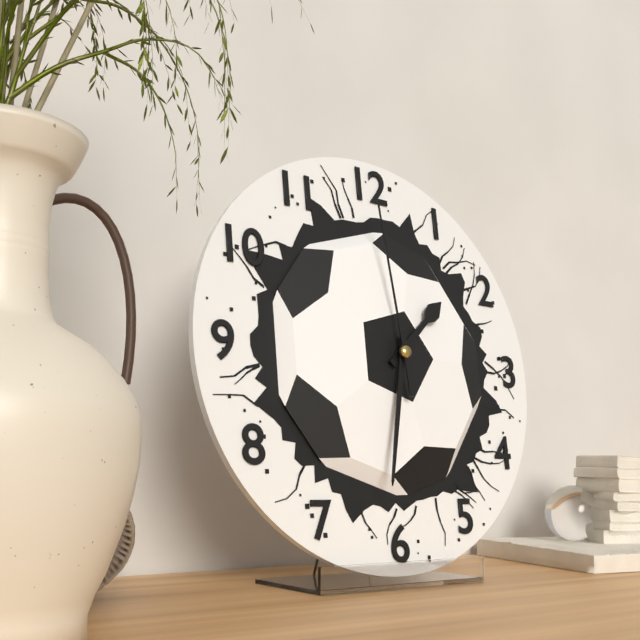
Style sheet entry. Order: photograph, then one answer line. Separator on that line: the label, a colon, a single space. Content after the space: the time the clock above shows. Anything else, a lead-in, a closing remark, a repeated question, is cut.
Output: 1:32:59
